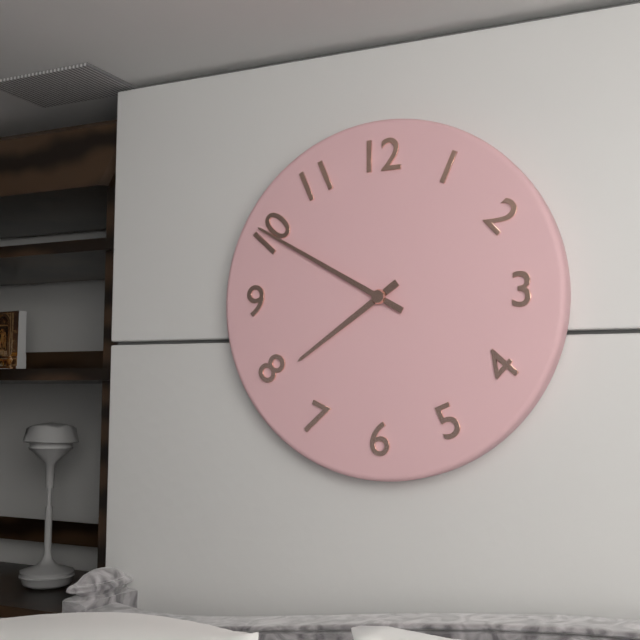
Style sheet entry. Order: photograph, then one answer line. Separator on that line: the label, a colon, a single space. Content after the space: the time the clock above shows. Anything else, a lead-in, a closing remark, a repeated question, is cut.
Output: 7:50
